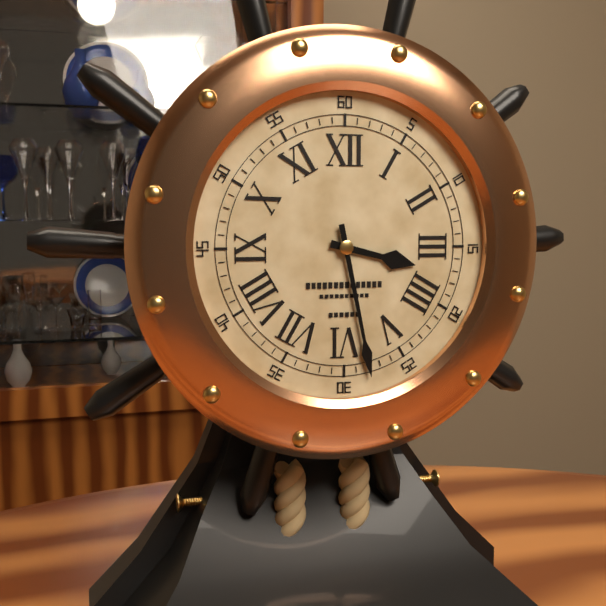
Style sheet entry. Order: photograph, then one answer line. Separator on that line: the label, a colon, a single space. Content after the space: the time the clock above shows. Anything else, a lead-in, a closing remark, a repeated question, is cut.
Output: 3:28
